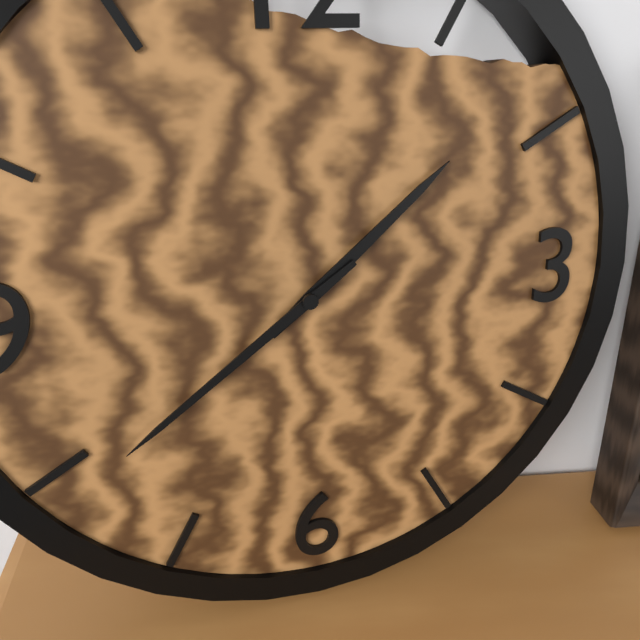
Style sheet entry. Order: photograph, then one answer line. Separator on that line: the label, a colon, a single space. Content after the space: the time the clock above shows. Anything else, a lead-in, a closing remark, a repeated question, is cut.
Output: 1:39
